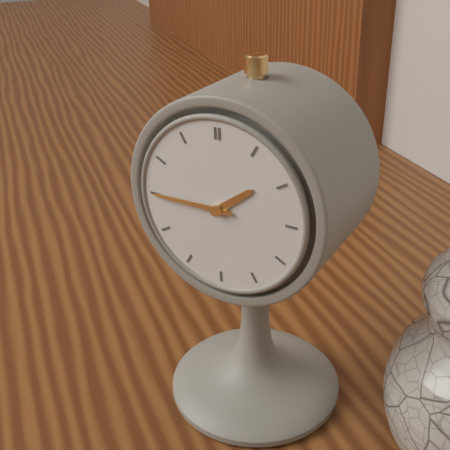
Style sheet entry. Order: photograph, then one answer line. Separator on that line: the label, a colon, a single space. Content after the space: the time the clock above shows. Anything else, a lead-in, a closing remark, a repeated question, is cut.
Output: 1:45
